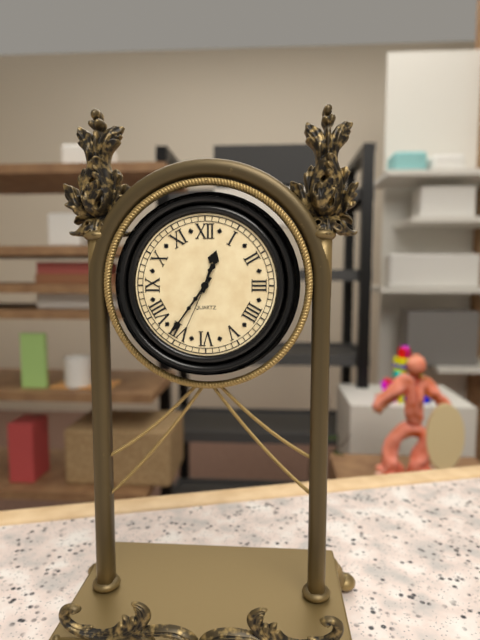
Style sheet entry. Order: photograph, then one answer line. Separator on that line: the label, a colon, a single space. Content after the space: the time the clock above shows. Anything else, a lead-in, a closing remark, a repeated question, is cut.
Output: 12:36:34
